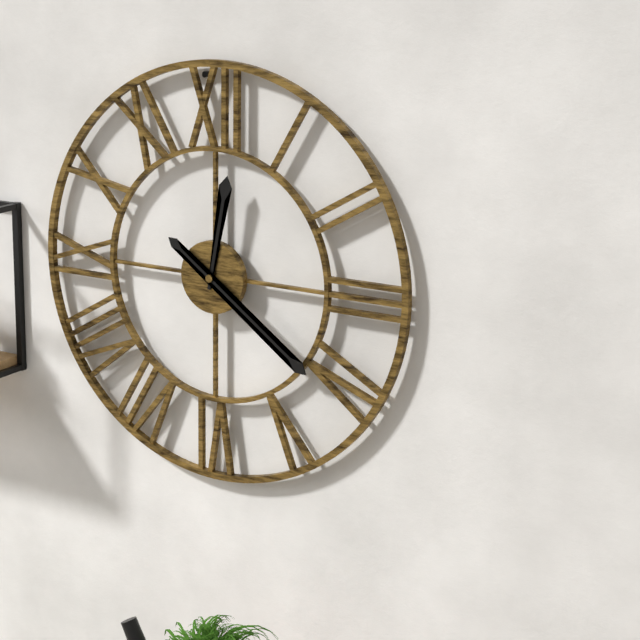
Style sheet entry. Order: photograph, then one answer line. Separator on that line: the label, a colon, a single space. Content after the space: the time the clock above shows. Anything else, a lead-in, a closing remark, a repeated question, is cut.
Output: 12:21
